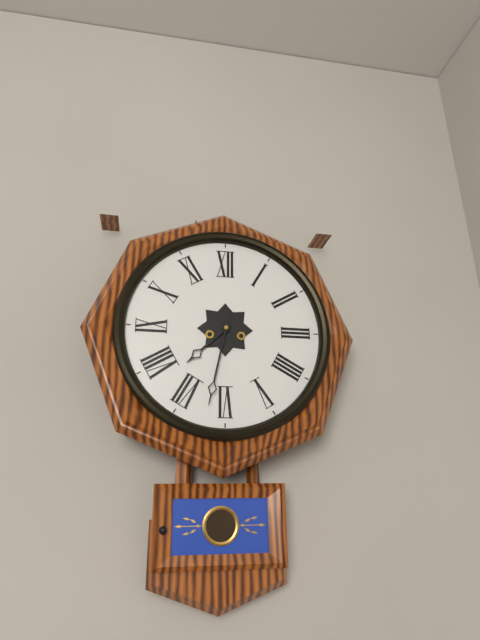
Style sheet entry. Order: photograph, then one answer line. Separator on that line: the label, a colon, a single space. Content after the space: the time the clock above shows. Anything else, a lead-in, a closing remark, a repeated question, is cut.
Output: 7:32
